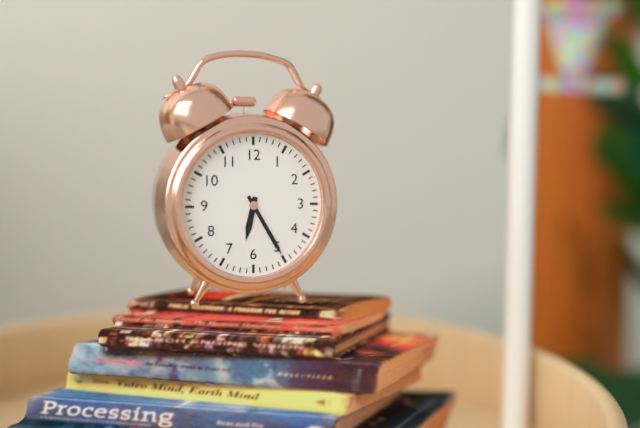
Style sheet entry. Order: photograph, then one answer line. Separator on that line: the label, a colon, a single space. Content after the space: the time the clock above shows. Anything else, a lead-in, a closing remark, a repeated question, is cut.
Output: 6:25
